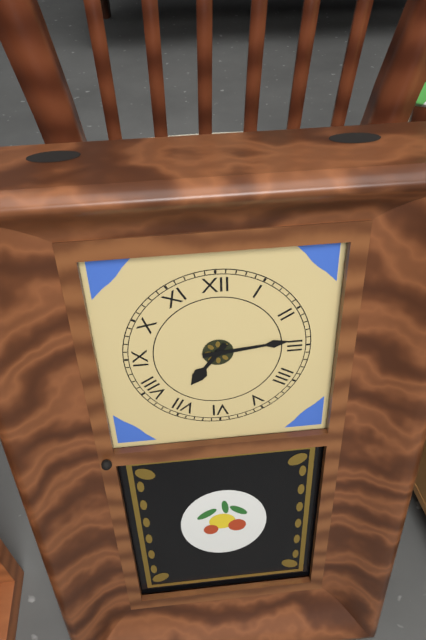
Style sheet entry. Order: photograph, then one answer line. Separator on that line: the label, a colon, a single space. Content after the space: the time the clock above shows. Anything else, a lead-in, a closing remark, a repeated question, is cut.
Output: 7:14
